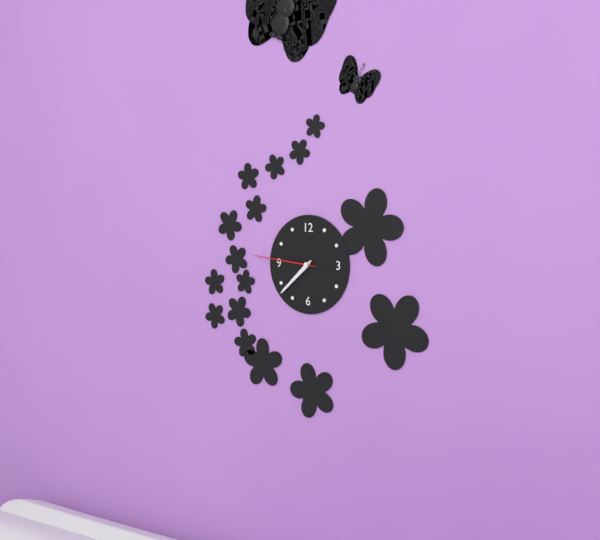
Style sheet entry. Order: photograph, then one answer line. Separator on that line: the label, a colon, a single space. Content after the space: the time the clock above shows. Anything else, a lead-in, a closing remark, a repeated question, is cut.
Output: 7:38:46
